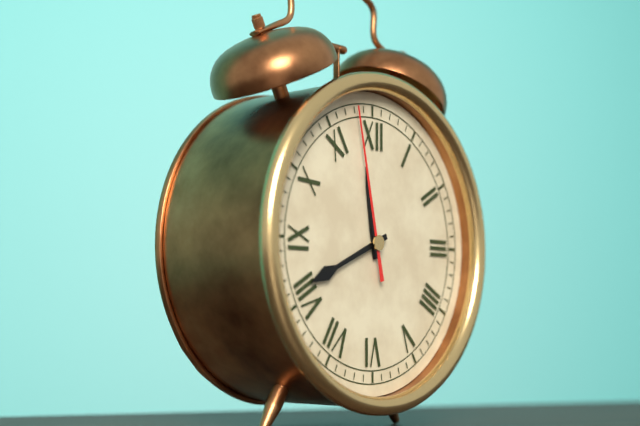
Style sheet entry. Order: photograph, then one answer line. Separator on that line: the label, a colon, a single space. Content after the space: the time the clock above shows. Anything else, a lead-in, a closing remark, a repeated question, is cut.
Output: 11:41:58
